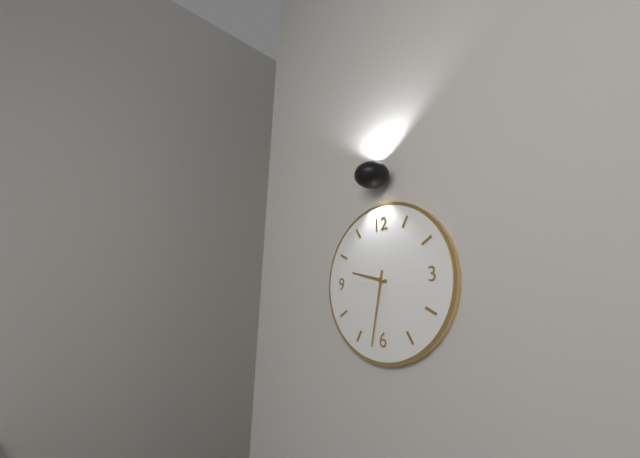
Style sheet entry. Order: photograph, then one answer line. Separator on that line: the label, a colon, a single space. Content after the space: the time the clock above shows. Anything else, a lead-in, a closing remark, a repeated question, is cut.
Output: 9:32
